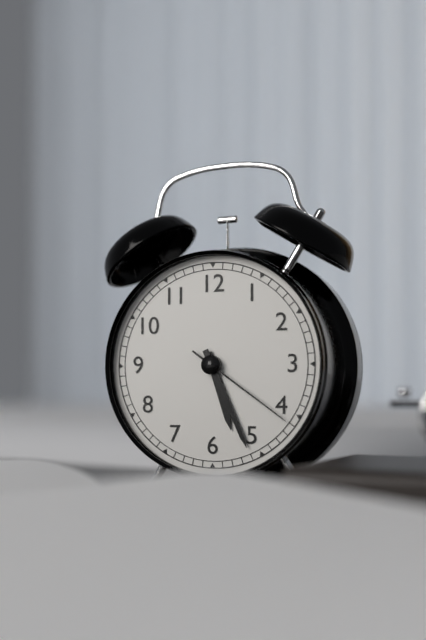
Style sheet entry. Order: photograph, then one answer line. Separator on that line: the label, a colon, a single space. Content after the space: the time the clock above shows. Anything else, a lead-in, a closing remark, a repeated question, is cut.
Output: 5:26:21
